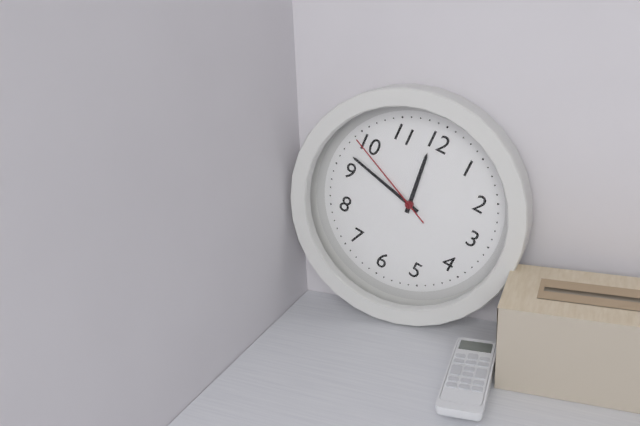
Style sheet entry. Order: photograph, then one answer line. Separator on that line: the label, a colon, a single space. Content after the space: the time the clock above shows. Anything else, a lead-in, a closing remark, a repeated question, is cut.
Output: 11:47:49
